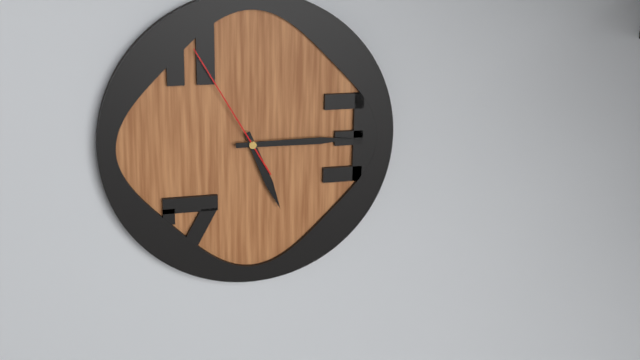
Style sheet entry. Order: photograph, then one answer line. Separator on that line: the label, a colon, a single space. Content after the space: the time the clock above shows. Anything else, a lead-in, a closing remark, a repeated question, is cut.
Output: 5:15:55
